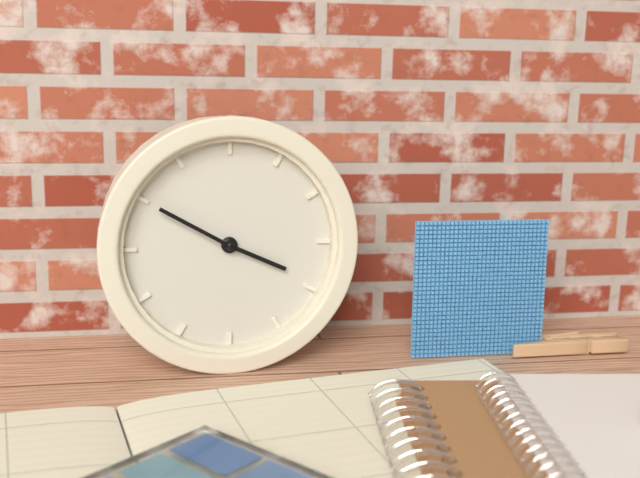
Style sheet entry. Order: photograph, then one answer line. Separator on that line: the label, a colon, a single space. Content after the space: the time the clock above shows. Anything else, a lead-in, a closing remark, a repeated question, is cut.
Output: 3:50
